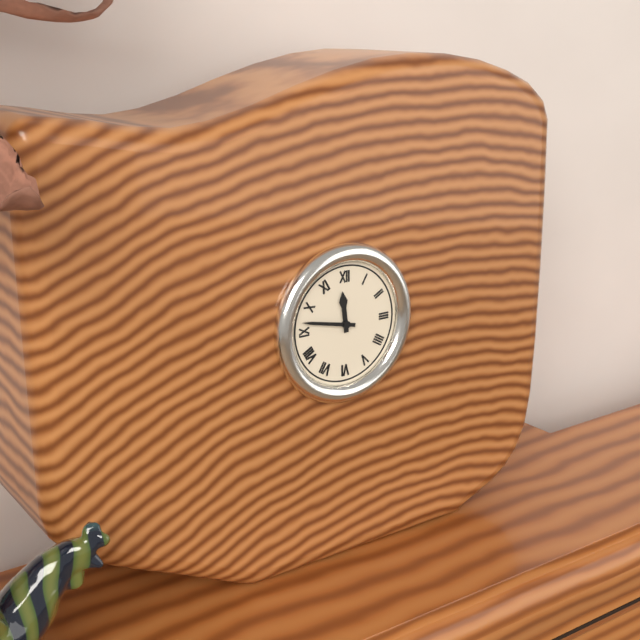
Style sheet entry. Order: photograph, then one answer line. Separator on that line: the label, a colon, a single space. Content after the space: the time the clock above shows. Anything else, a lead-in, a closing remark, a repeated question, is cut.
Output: 11:47
